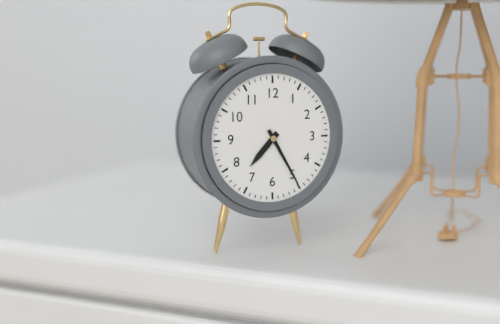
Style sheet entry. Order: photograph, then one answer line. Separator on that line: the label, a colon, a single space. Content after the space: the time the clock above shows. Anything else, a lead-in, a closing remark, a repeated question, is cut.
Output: 7:25
